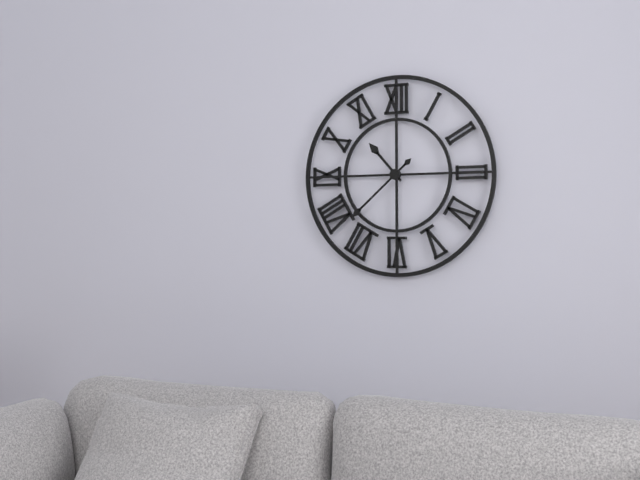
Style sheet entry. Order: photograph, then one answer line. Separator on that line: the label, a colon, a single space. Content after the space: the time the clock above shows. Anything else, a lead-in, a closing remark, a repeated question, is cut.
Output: 10:38
